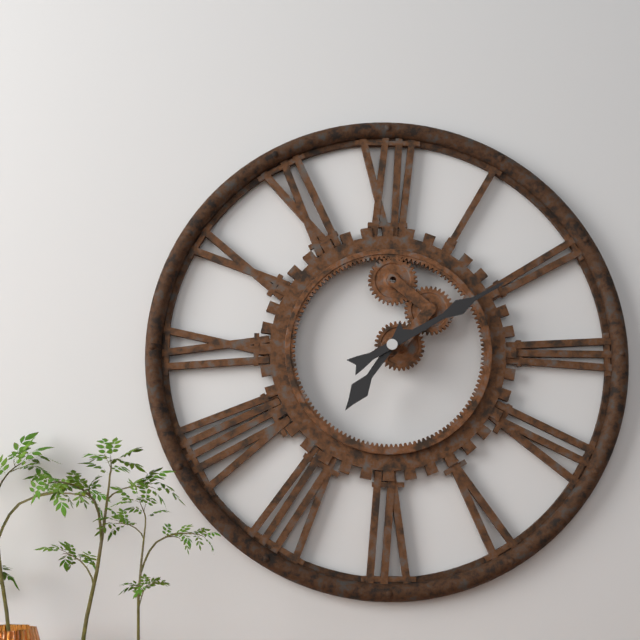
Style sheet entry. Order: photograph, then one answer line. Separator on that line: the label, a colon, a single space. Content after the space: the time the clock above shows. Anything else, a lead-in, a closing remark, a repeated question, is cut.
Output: 7:10
